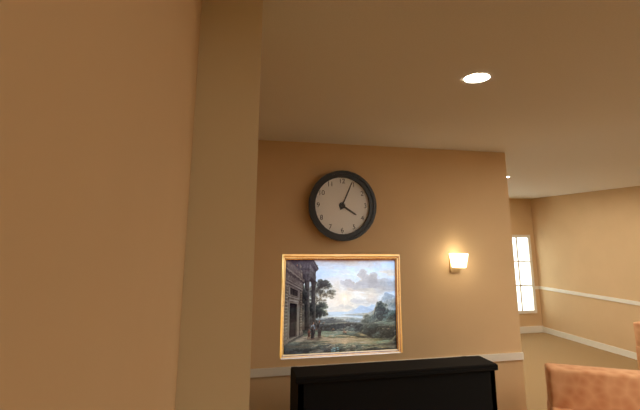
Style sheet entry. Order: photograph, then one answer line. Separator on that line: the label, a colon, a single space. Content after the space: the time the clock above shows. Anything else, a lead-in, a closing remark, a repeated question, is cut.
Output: 4:04
